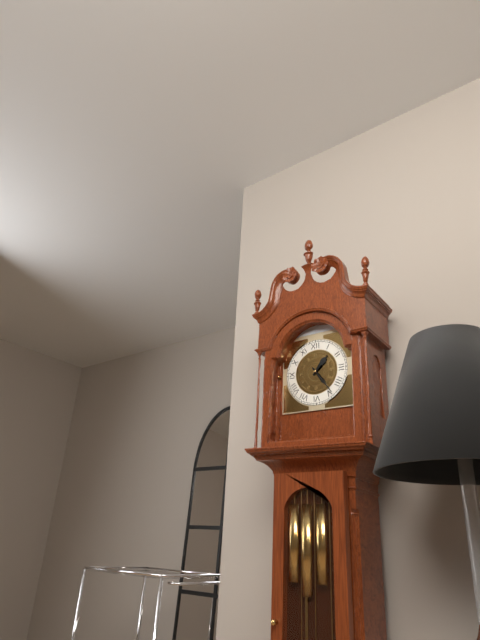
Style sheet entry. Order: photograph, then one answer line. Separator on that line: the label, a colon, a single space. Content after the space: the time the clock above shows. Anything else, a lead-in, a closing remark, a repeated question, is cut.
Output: 1:24
